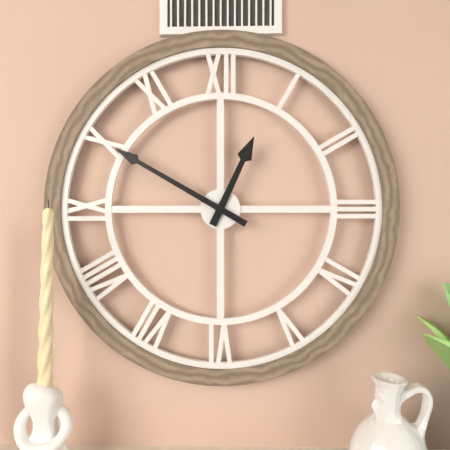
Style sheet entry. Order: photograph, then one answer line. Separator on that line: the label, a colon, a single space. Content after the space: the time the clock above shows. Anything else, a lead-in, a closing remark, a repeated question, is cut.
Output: 12:50
